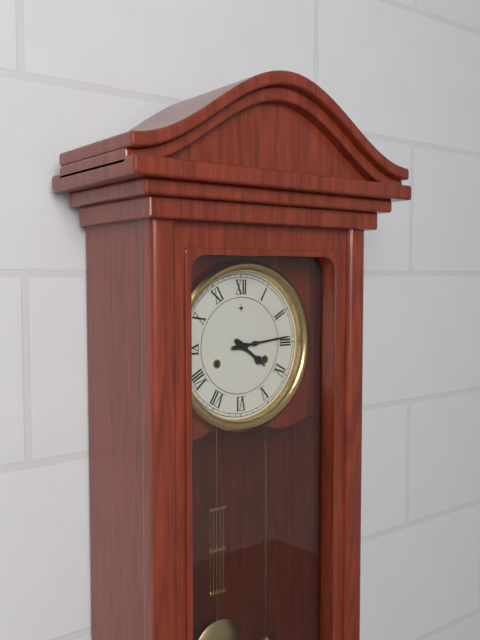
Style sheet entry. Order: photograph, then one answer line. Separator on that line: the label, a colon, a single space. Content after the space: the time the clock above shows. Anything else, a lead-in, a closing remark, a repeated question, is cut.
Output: 4:14
